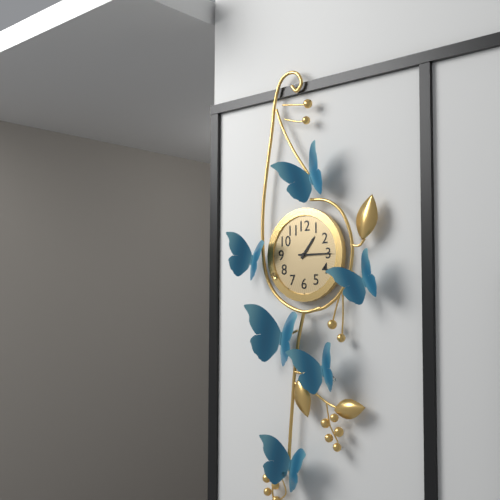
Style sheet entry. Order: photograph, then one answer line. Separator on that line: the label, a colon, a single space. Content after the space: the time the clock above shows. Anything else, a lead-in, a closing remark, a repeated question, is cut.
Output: 1:15
